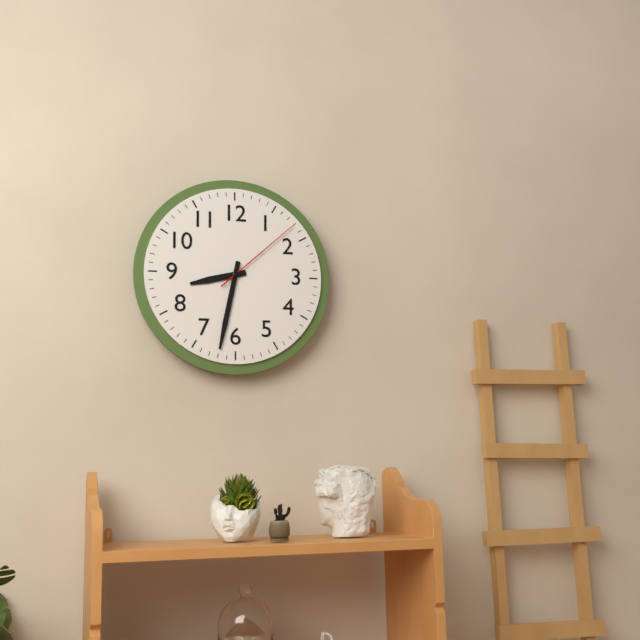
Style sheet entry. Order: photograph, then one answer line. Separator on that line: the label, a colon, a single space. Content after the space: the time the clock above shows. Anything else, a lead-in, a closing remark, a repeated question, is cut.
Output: 8:32:08
